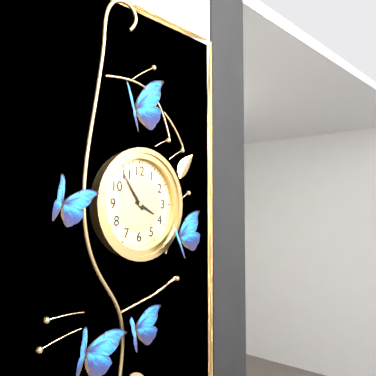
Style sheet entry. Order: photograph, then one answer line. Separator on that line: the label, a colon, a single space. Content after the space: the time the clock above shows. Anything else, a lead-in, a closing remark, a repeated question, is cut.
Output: 3:54
